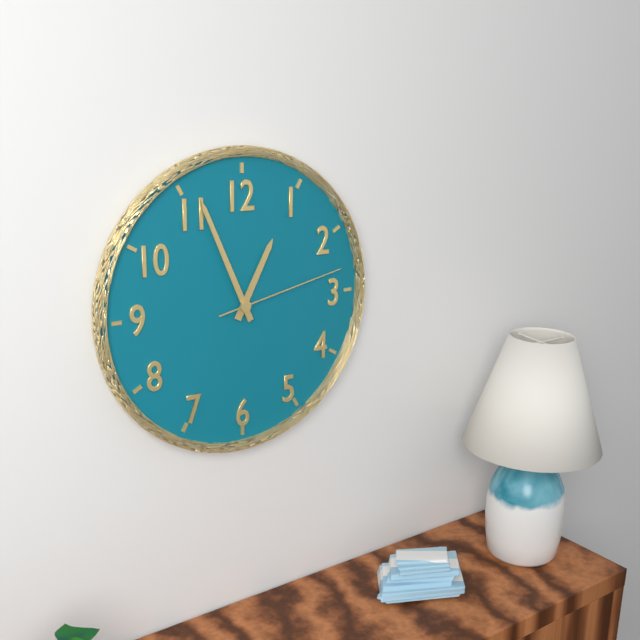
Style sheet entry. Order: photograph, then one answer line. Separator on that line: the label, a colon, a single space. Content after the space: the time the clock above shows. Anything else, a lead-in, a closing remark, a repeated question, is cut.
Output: 12:56:13
